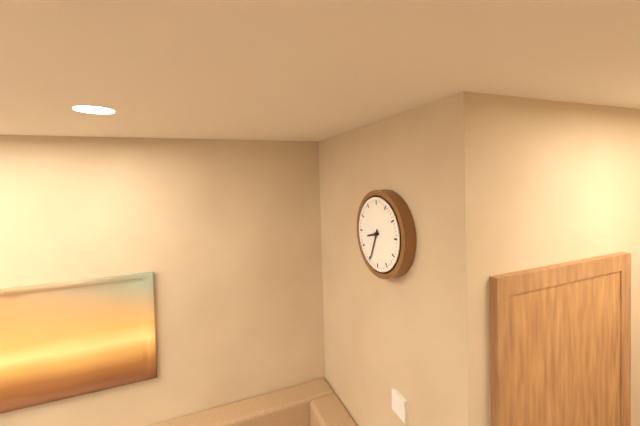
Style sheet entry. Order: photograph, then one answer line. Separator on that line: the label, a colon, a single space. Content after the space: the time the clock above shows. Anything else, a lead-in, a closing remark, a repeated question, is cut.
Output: 8:34
